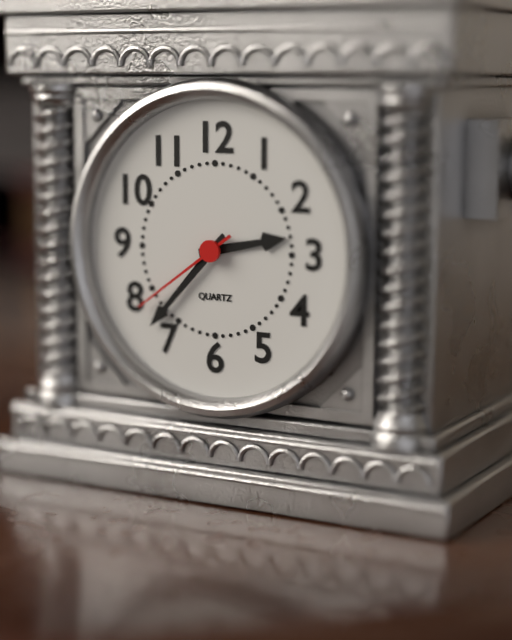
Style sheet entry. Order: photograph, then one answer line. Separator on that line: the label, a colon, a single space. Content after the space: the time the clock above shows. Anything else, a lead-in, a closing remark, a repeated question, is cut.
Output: 2:37:39
